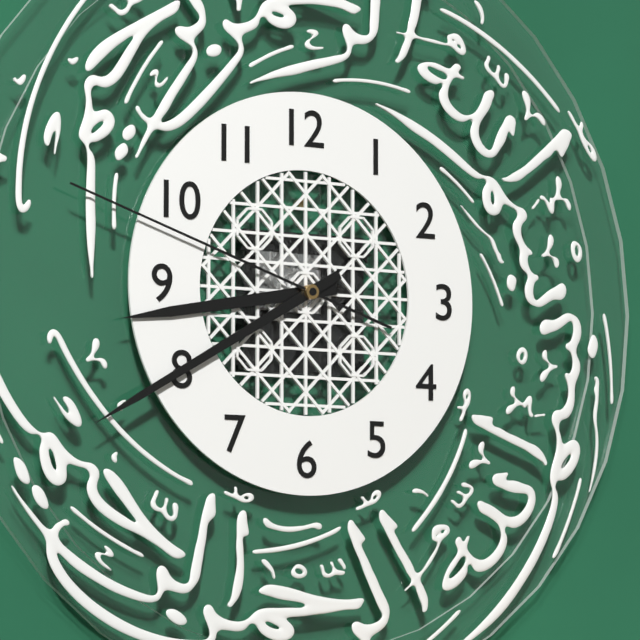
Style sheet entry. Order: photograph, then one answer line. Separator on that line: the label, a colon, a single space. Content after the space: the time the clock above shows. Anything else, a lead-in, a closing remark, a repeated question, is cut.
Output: 8:40:48
